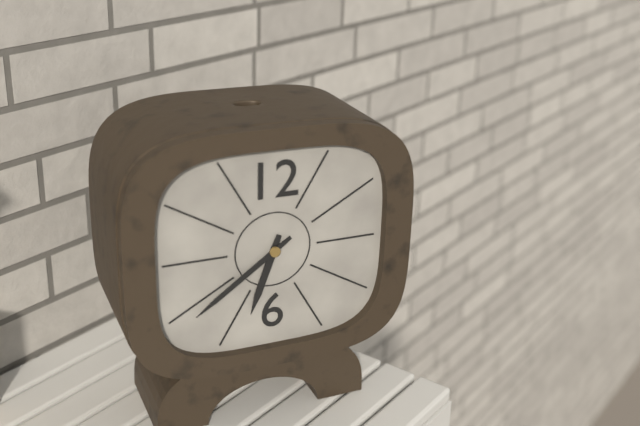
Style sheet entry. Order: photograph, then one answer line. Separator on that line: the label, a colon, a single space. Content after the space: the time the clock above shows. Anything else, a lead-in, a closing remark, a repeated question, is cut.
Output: 6:39
